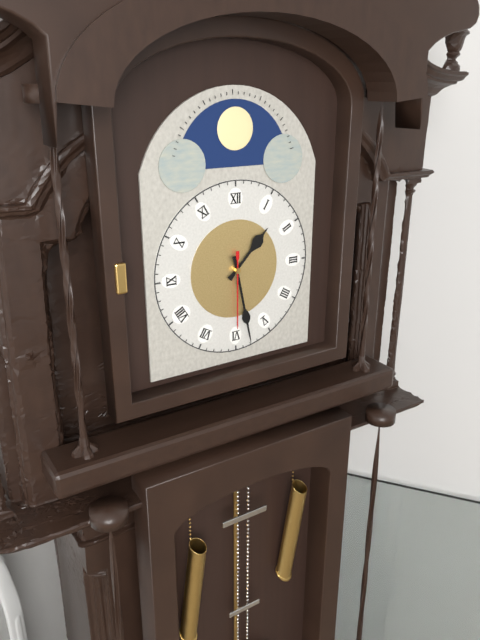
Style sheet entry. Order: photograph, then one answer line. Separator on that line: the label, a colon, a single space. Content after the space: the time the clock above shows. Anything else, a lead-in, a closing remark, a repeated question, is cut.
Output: 1:28:30
